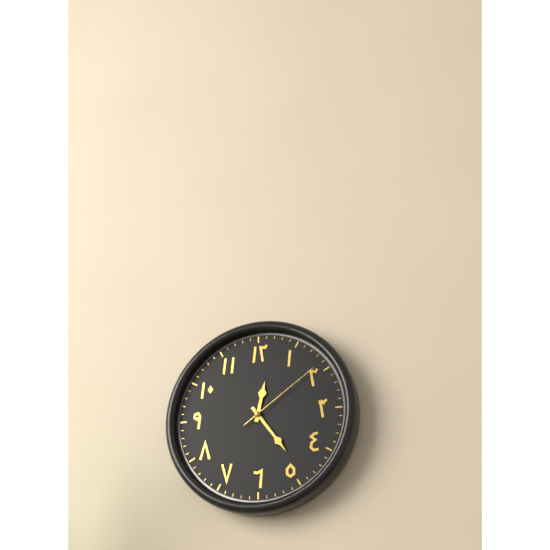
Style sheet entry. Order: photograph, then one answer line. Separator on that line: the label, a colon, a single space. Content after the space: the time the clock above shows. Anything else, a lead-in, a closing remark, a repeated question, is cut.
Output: 12:24:09
